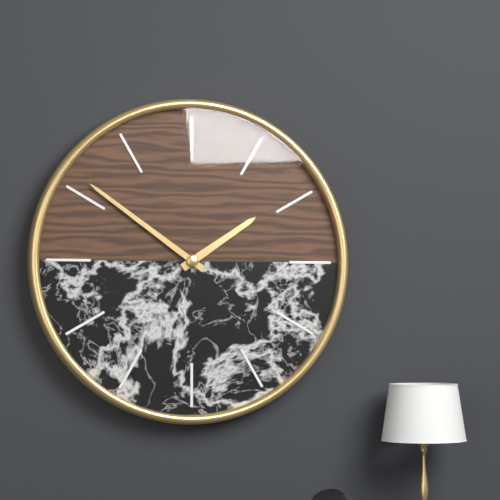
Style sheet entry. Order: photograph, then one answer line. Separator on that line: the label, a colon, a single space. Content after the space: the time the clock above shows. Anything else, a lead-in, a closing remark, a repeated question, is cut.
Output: 1:51
